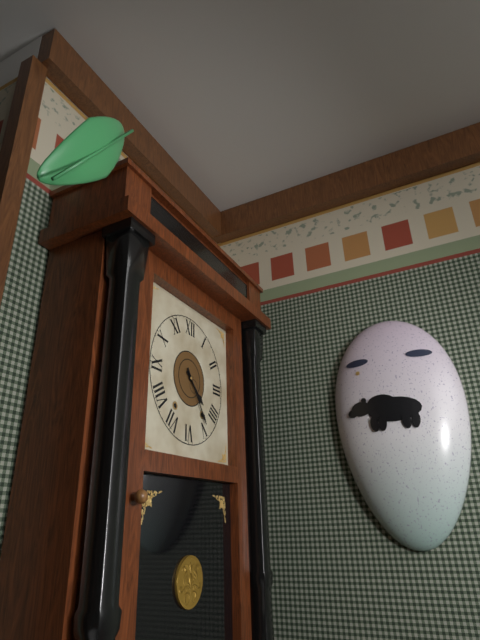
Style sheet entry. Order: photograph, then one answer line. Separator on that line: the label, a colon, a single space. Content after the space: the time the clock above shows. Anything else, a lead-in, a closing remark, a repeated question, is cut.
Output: 4:24
